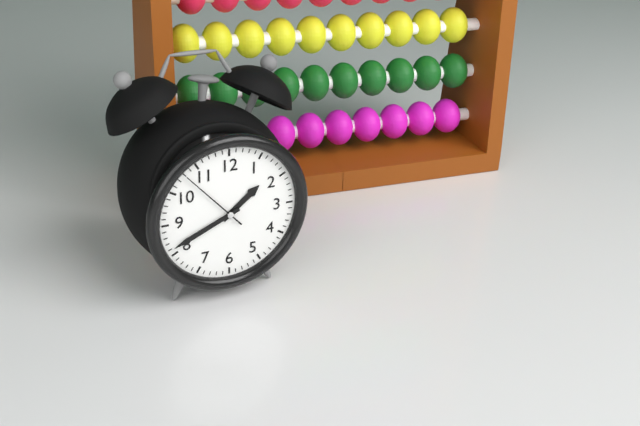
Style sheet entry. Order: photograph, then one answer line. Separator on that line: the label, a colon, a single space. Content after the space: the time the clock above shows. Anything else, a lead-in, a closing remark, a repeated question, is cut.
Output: 1:41:53
